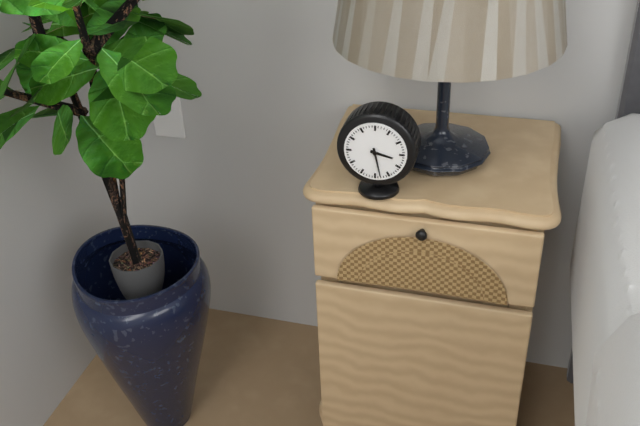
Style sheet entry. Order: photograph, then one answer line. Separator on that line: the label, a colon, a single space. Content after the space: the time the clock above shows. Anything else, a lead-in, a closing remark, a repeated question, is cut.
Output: 3:28
